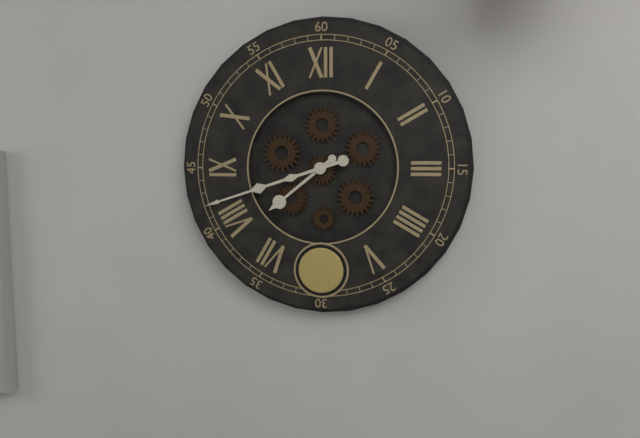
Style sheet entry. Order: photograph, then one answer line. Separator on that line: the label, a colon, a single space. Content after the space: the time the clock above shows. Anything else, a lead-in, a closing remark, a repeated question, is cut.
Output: 7:42
